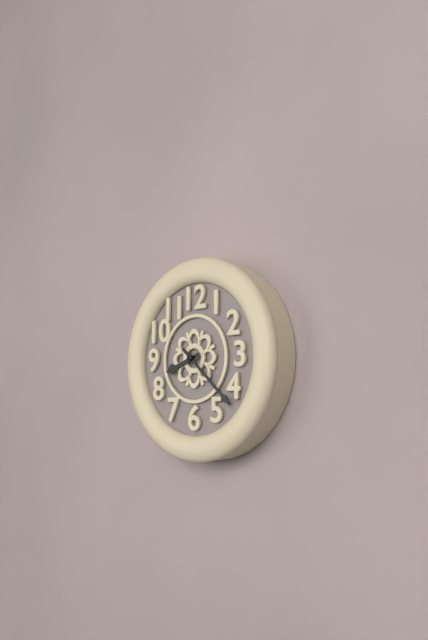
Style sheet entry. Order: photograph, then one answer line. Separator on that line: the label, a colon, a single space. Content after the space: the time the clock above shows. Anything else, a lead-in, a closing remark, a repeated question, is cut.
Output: 8:22
